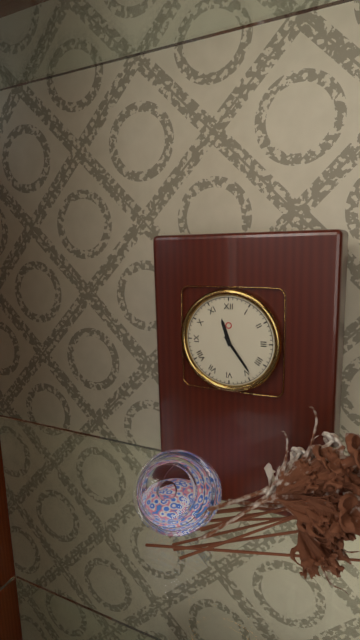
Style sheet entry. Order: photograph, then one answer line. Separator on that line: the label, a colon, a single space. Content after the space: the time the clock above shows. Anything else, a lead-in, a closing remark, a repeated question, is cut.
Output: 11:24
